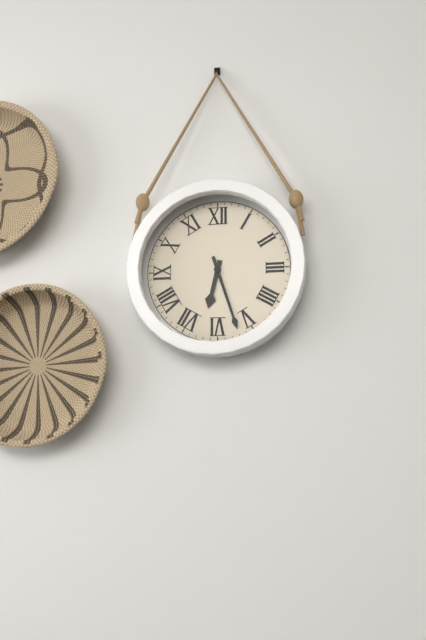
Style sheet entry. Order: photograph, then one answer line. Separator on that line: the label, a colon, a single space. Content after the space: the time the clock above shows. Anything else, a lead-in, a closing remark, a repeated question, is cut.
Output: 6:27
